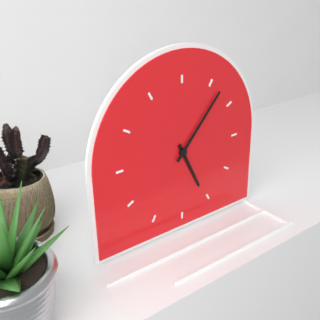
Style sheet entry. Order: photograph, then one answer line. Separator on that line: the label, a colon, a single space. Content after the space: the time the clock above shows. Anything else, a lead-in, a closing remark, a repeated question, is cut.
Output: 5:07
